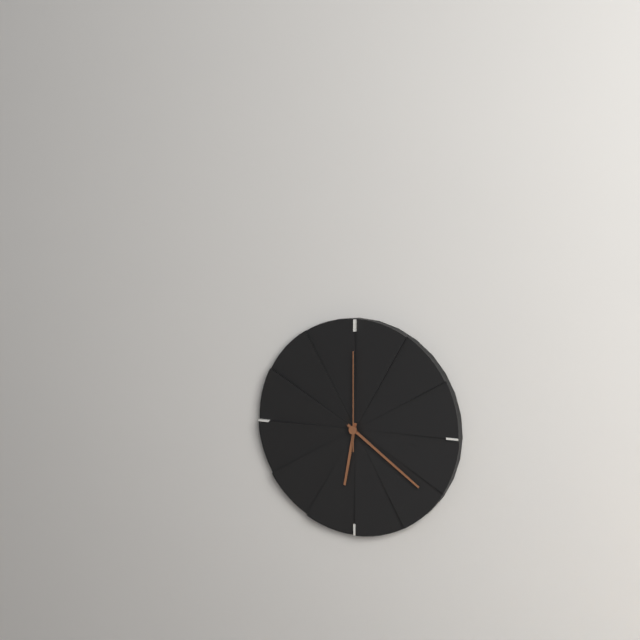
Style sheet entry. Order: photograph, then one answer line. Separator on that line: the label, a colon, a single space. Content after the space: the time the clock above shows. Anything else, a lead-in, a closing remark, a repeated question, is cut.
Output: 6:21:00
